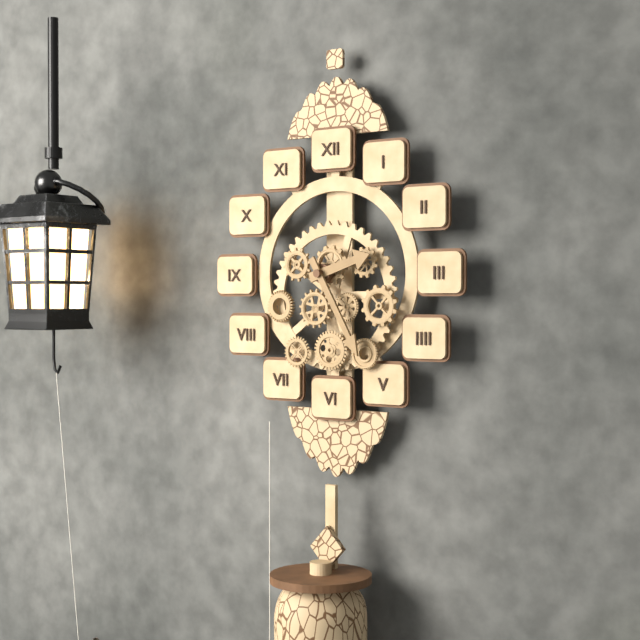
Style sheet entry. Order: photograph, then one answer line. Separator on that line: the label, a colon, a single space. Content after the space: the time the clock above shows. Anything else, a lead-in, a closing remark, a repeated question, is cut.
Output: 2:25
